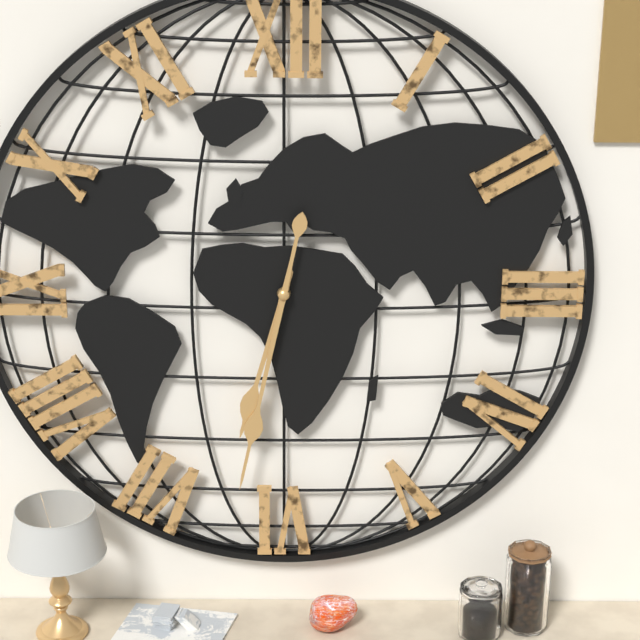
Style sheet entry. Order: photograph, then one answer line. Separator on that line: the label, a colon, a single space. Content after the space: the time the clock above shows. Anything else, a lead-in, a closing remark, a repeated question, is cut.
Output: 6:32
